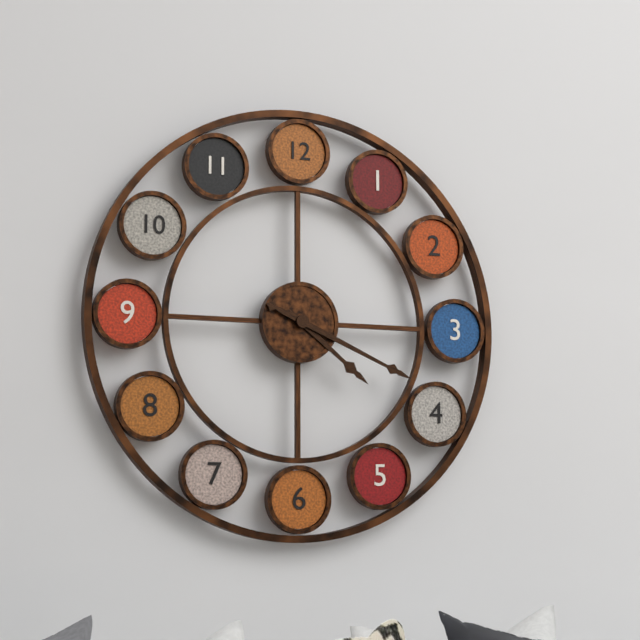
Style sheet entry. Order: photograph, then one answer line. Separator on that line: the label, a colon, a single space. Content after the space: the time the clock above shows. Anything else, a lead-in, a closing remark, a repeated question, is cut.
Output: 4:19
